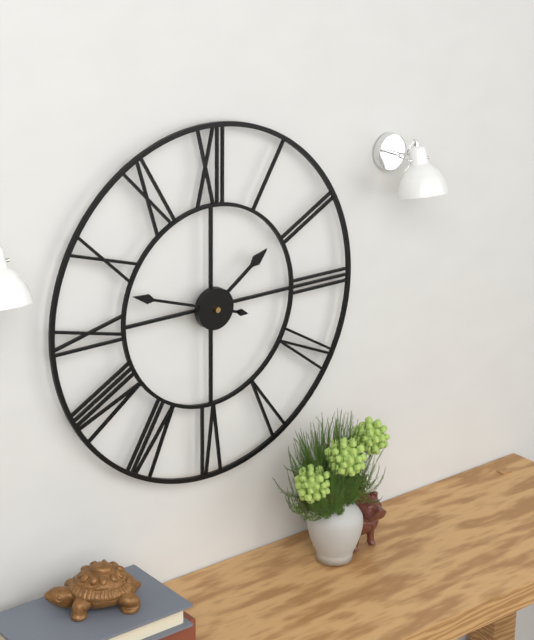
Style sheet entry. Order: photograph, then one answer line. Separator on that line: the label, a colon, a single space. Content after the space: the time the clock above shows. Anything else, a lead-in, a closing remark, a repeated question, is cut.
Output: 1:48
